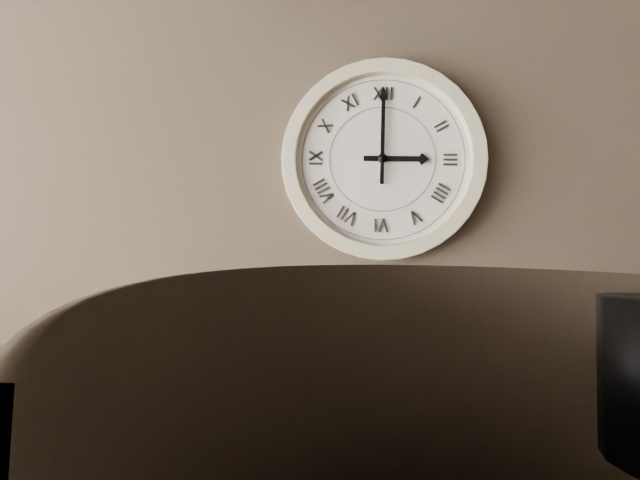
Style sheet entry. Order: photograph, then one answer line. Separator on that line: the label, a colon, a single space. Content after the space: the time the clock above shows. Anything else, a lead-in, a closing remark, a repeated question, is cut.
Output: 3:00
